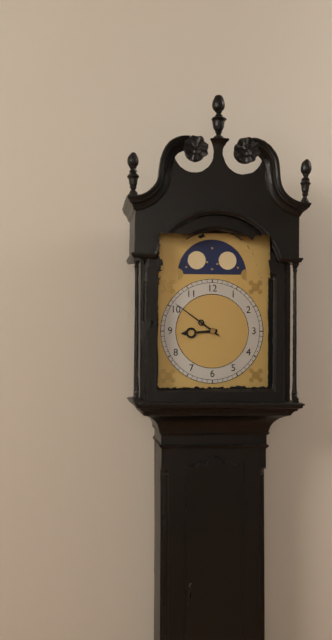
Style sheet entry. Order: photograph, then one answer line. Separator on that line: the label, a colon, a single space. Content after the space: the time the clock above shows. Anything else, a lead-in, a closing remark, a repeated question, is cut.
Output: 8:51
